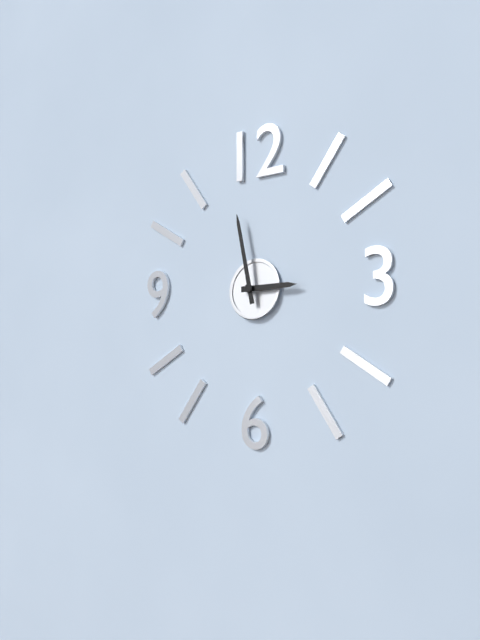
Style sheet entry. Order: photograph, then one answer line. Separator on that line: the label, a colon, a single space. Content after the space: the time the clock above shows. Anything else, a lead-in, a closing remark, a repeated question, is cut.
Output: 2:58
